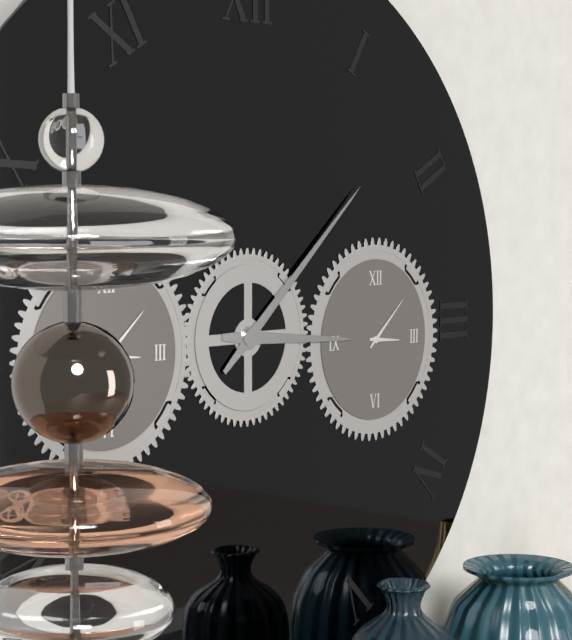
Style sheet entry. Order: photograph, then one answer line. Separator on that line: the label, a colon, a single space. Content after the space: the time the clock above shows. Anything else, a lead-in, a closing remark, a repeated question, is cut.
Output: 3:08
